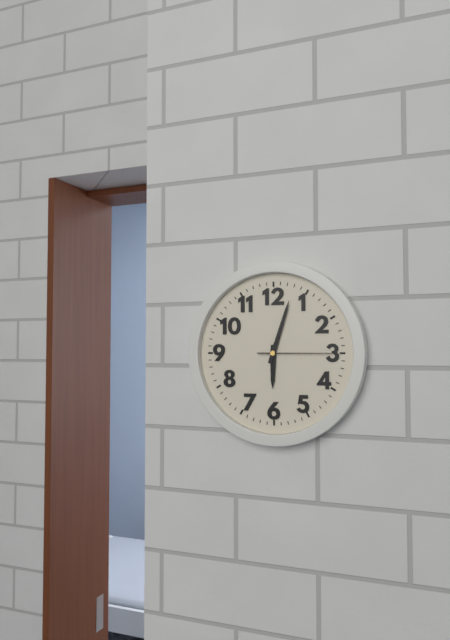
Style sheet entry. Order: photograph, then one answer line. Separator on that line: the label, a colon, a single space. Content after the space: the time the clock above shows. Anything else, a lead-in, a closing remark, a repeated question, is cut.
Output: 6:03:15
